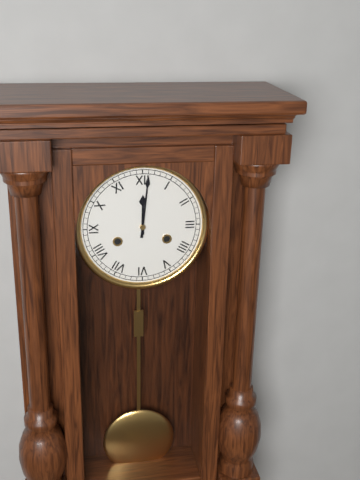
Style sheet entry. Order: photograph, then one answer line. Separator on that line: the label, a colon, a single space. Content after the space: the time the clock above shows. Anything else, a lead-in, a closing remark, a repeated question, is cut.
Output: 12:01
